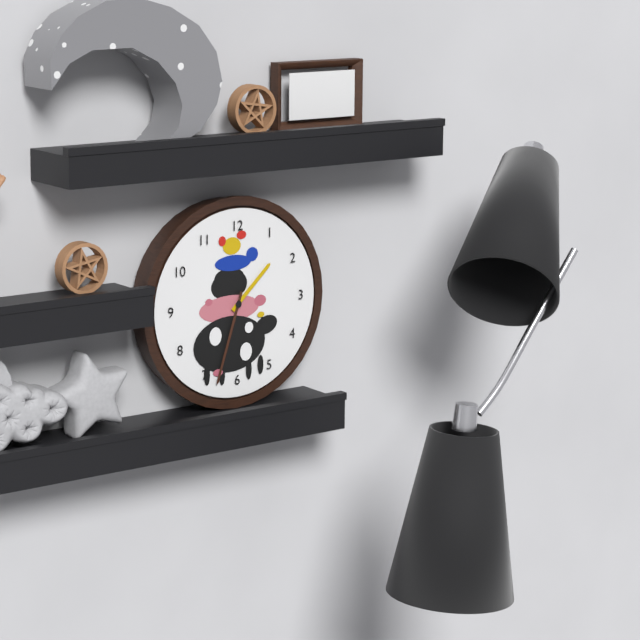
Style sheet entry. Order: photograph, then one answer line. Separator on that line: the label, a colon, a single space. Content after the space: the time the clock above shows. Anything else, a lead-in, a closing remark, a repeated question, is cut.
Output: 1:33
